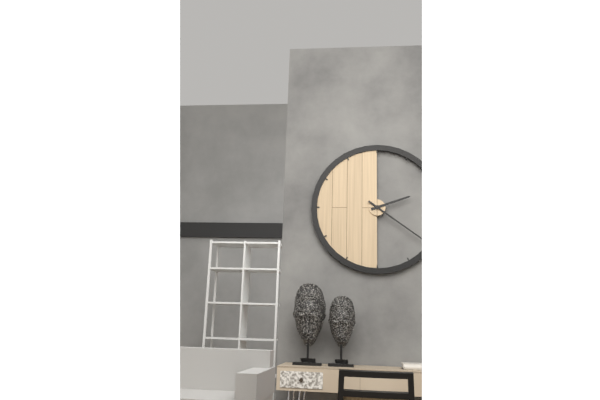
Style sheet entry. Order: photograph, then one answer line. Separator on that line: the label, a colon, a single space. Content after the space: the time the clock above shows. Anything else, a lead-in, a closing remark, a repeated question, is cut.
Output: 2:21
